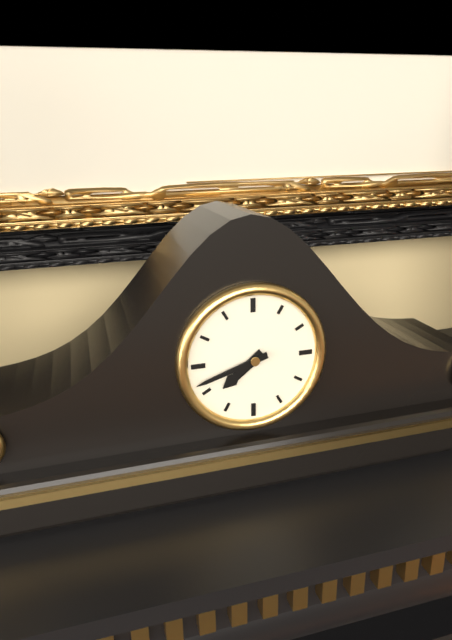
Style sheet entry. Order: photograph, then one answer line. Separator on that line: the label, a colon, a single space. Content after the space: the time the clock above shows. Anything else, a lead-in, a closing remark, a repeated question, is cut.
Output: 7:42
